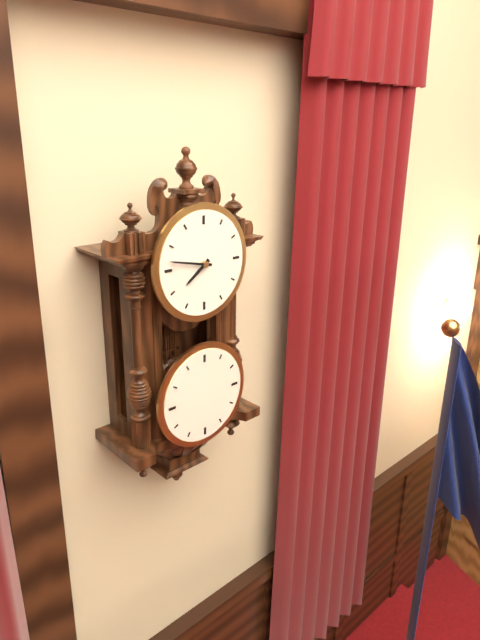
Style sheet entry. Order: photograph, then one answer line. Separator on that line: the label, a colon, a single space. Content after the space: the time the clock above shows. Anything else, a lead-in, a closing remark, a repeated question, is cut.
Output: 7:47
